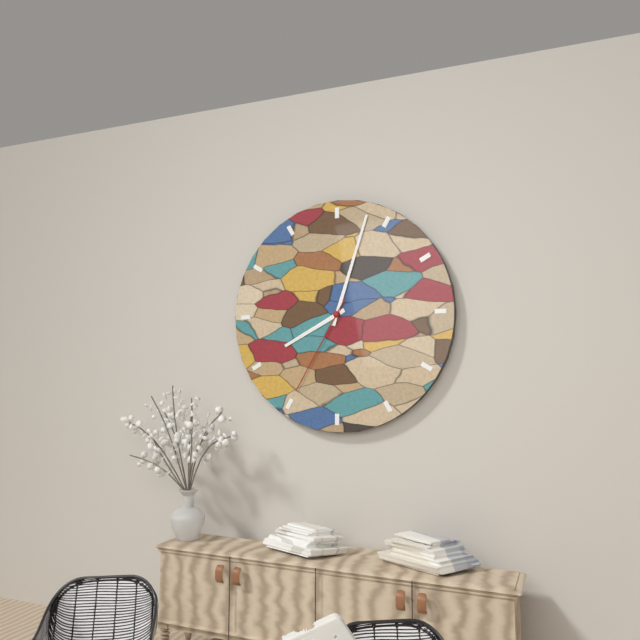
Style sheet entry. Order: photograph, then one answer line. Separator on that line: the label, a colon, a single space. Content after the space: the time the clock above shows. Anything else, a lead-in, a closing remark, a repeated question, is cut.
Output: 8:03:35
